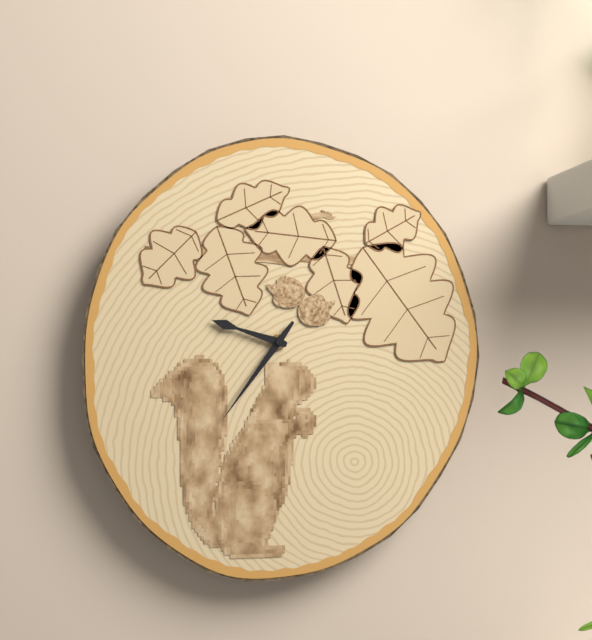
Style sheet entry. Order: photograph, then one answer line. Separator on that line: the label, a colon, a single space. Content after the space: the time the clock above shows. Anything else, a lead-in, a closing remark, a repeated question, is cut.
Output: 9:36
